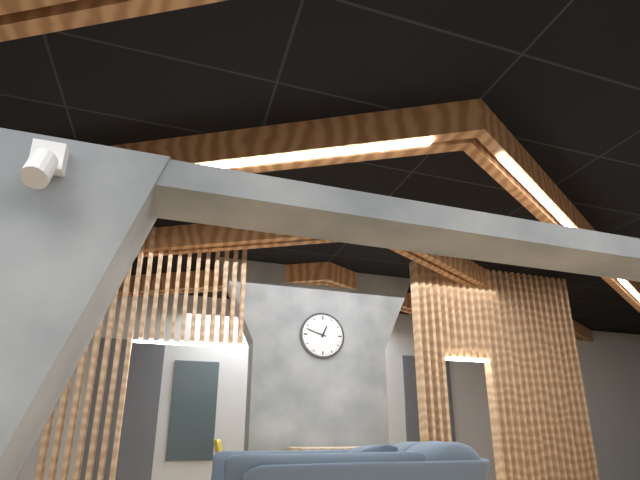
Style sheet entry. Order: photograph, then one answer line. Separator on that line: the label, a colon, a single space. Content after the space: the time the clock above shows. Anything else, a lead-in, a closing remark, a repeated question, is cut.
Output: 12:48
